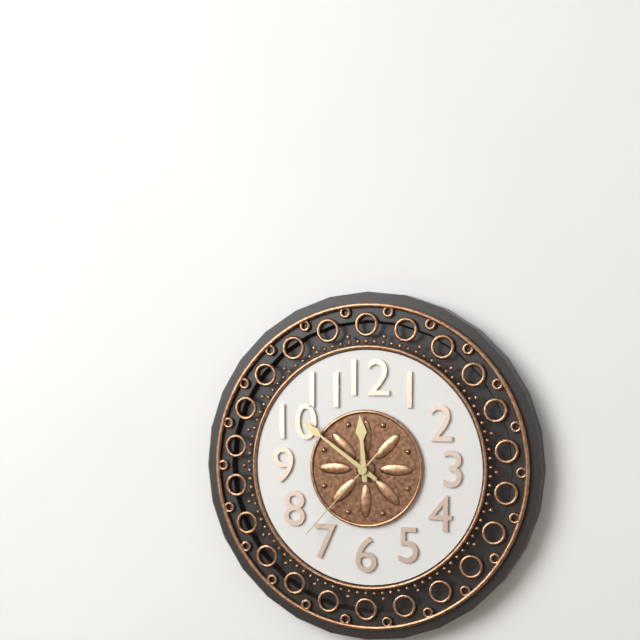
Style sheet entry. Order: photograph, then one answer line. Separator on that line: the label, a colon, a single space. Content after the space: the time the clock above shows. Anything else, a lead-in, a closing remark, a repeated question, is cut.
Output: 11:51:37
